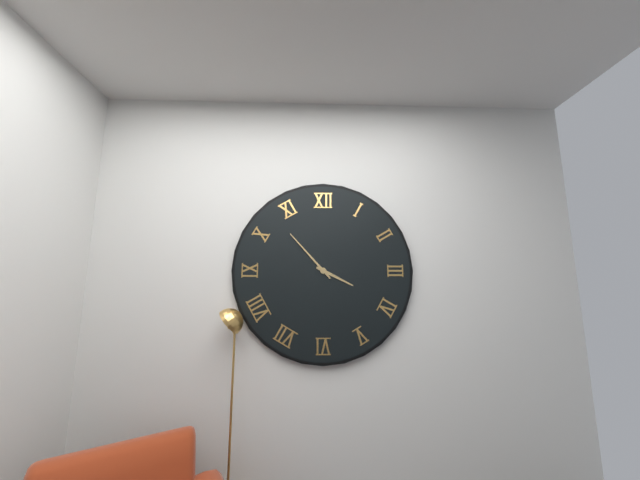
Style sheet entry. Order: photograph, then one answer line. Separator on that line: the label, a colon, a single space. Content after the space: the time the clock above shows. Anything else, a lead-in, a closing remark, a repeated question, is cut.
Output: 3:53
